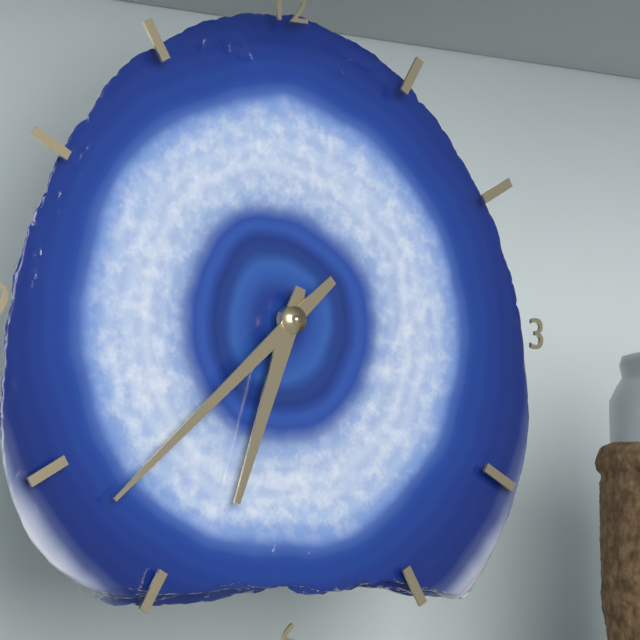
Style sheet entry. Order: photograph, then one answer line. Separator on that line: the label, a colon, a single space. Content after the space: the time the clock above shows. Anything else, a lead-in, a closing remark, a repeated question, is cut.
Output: 6:38
